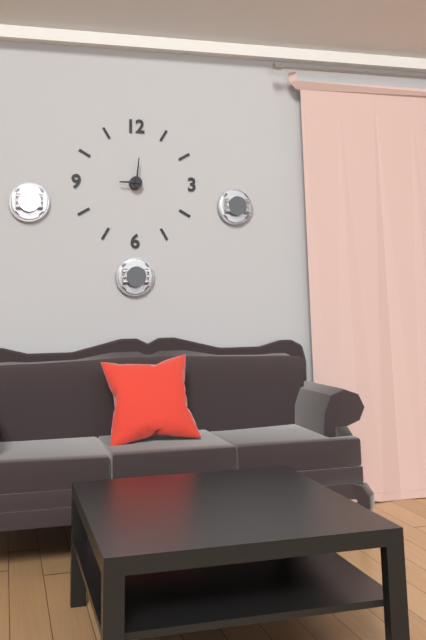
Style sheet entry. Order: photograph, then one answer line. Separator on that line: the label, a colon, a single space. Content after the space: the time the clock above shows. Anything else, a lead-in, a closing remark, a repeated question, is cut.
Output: 9:01
